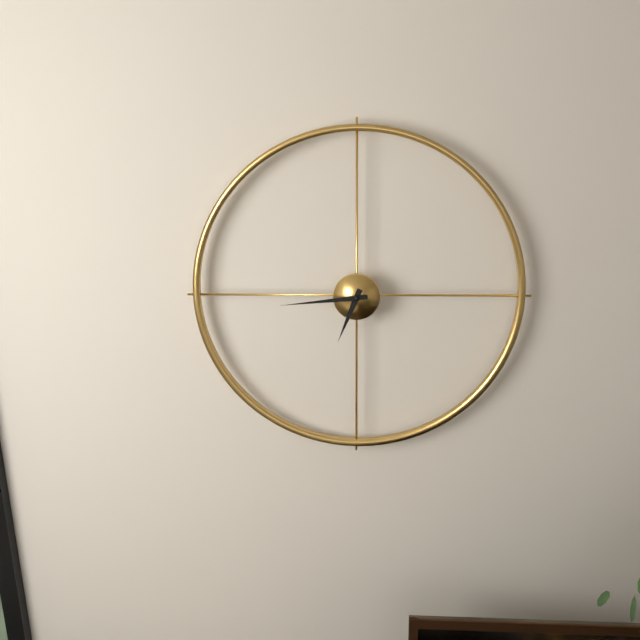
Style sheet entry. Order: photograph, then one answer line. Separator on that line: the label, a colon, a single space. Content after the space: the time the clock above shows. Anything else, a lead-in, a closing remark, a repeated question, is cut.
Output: 6:44
